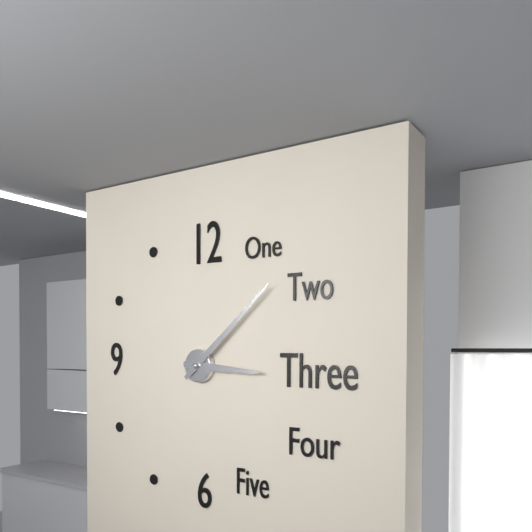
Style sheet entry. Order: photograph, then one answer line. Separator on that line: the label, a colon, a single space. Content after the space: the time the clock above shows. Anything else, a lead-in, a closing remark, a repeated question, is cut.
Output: 3:08
